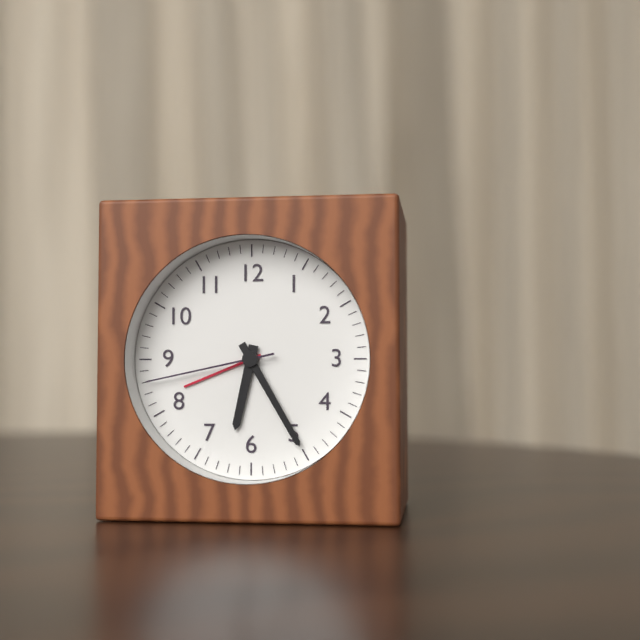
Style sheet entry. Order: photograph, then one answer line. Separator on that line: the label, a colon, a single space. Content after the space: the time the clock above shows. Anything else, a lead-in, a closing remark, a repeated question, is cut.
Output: 6:25:43
